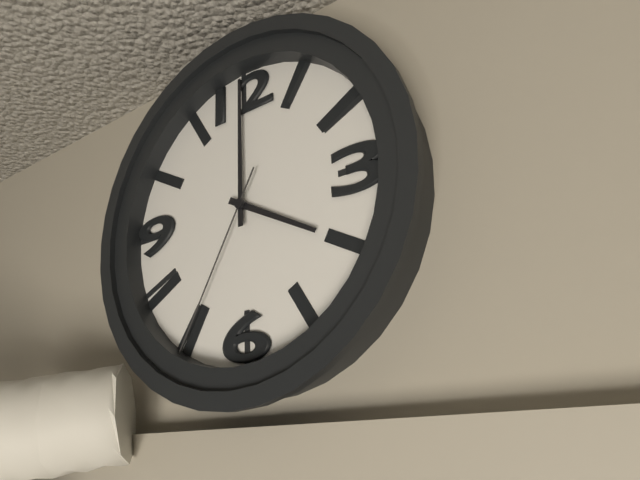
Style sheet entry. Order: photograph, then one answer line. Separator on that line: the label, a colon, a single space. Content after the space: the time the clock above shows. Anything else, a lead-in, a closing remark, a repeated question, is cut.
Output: 4:00:35
